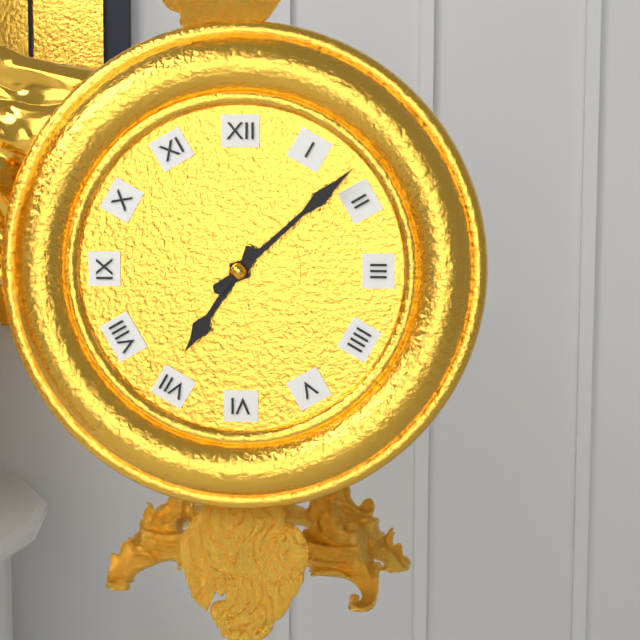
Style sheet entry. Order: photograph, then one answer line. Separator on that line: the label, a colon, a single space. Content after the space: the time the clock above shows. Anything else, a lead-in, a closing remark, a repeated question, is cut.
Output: 7:08
